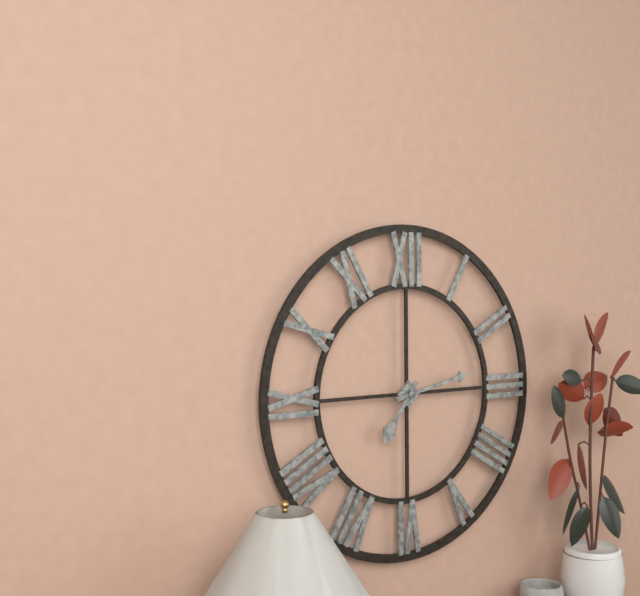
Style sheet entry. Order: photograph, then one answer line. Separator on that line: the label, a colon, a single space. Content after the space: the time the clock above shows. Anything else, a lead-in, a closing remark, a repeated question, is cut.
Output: 7:13
